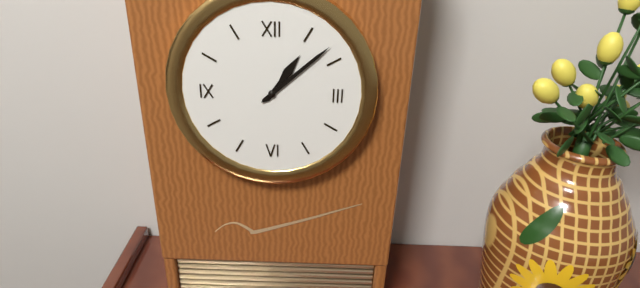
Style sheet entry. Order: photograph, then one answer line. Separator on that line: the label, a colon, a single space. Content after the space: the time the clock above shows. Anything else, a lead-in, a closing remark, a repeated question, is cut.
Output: 1:08
